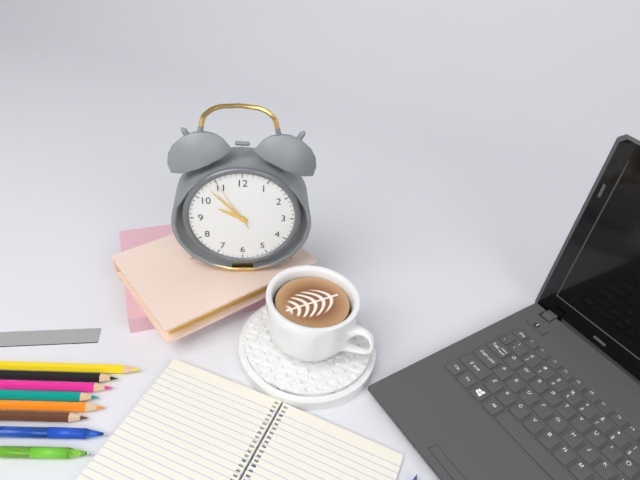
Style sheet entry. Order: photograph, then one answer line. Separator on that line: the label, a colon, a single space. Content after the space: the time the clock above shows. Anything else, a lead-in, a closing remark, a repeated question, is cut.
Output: 9:53:55
